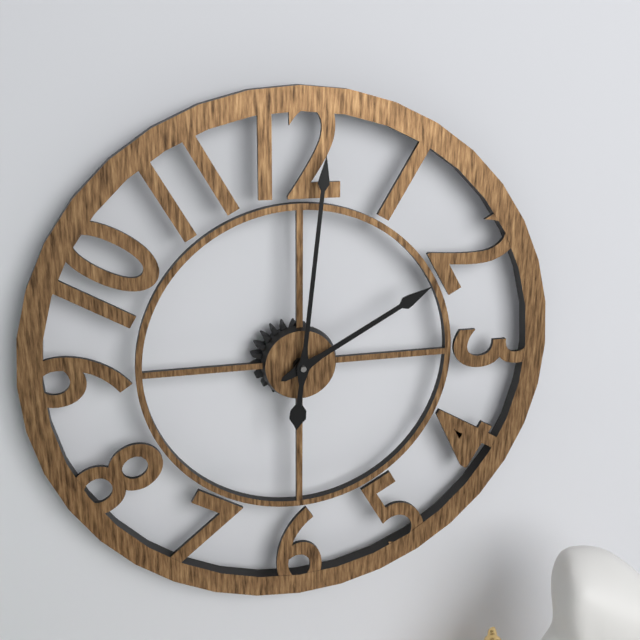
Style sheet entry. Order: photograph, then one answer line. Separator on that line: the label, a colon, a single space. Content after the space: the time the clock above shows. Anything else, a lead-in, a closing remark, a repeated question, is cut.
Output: 2:01
